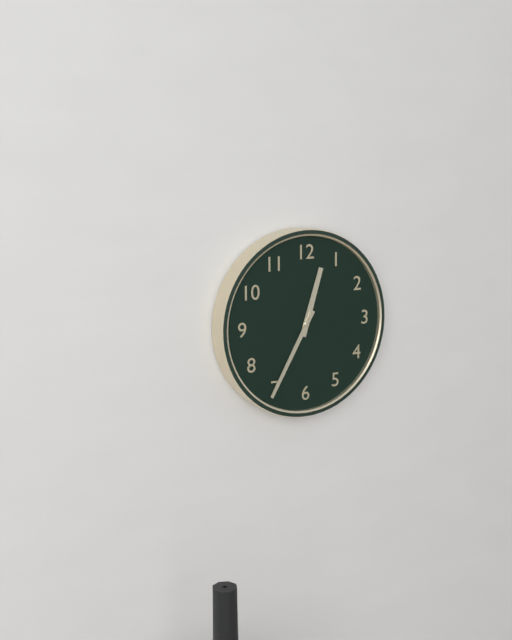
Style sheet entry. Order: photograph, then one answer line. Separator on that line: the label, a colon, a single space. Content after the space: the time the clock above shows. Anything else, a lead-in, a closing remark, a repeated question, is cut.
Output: 12:35
